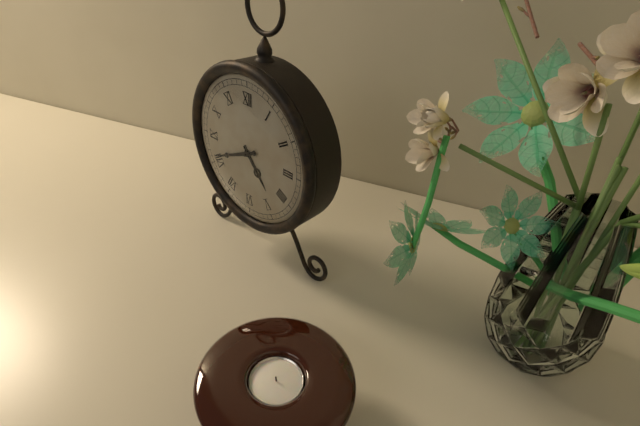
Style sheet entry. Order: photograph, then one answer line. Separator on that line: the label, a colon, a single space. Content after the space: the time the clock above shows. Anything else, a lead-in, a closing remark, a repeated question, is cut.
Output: 4:41
